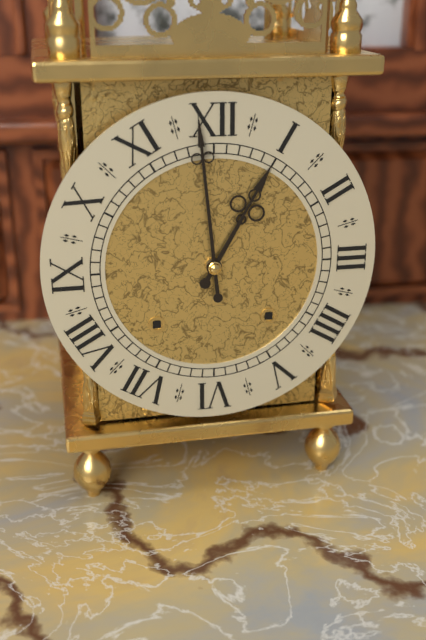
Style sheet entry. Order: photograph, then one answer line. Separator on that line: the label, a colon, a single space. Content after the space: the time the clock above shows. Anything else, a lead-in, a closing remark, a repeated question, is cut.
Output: 12:59
